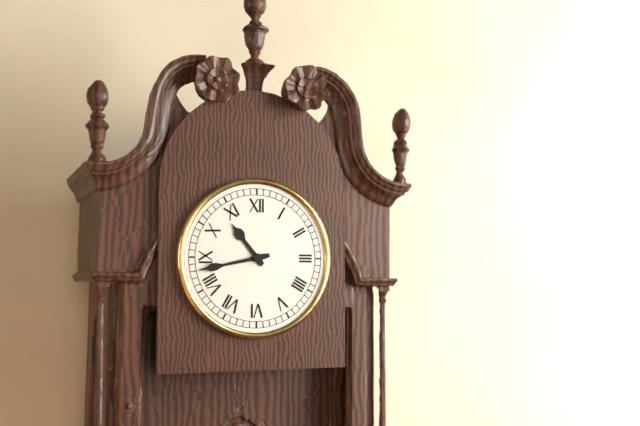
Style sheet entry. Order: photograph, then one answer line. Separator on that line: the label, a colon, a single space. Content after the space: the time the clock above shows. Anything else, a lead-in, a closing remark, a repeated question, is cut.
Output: 10:43
